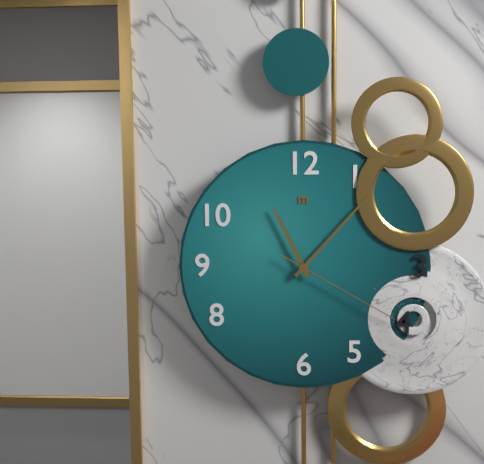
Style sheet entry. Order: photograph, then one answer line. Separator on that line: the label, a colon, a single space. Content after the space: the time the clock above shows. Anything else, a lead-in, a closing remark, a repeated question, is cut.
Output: 11:07:20
